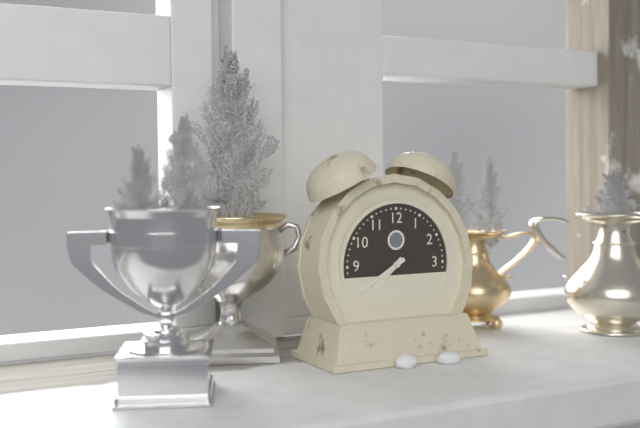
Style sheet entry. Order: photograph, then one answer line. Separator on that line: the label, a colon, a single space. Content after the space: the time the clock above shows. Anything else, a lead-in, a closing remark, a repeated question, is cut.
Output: 7:40
